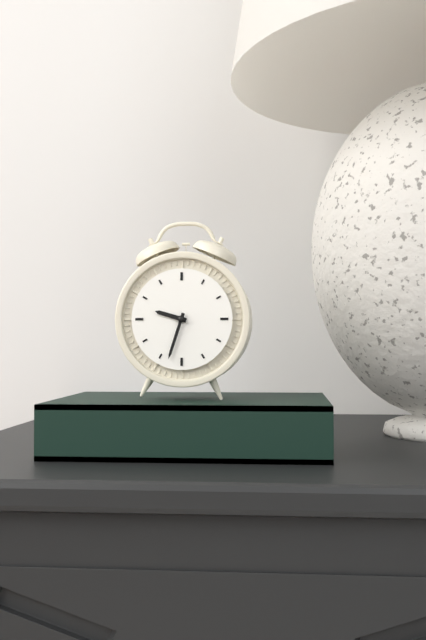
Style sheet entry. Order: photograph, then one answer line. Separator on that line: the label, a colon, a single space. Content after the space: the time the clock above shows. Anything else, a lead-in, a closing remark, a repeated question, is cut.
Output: 9:33
